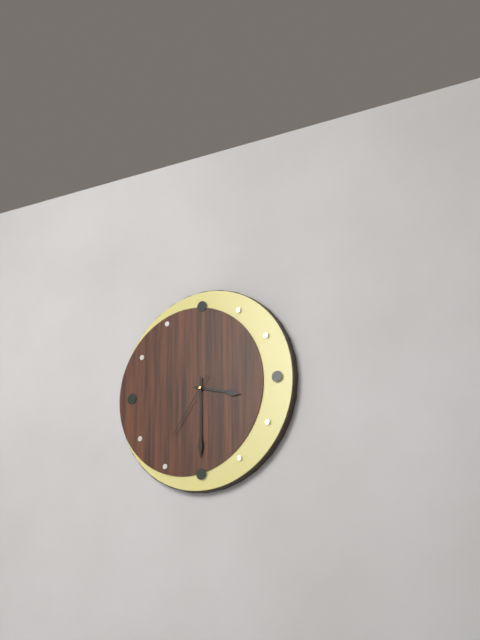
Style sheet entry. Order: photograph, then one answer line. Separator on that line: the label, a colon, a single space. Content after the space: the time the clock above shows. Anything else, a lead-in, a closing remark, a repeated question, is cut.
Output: 3:30:36
